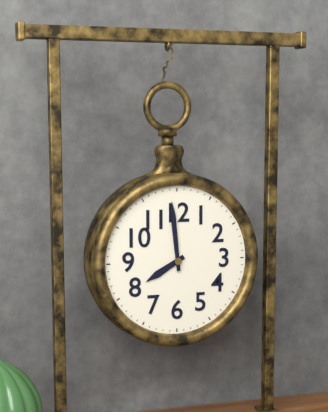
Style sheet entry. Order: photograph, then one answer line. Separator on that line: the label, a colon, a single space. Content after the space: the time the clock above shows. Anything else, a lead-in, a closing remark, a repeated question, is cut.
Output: 7:59
